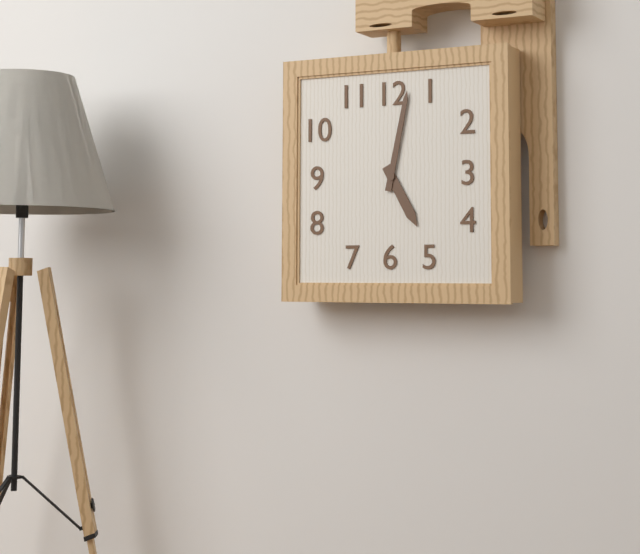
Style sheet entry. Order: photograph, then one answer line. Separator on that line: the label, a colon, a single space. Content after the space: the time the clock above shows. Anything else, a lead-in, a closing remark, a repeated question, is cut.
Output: 5:02
